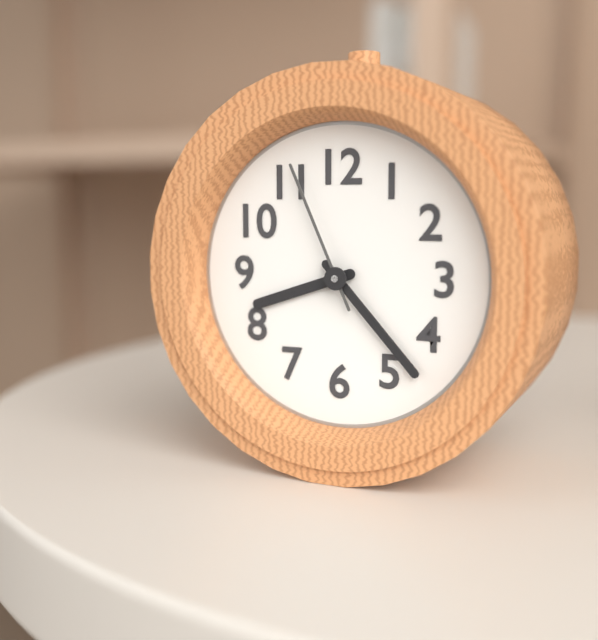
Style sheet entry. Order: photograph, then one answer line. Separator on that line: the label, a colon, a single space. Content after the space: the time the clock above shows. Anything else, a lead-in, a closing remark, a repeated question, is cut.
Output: 8:23:56
